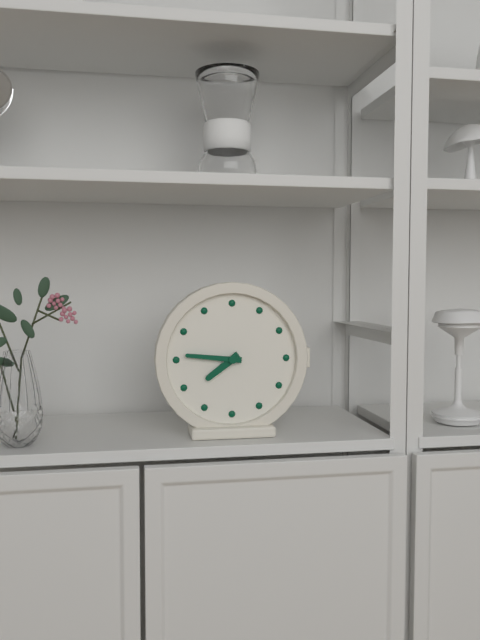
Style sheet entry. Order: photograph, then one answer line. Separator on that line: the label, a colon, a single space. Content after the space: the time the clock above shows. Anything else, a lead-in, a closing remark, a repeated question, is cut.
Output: 7:46
